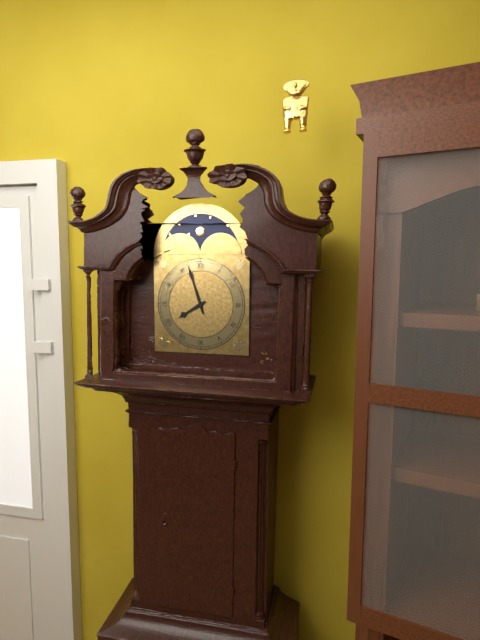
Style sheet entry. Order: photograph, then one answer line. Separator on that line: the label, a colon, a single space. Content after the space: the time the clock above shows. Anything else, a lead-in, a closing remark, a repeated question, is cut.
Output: 7:57
